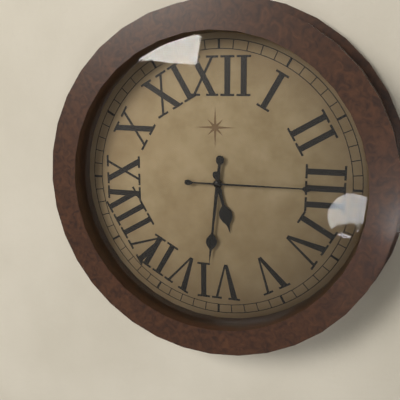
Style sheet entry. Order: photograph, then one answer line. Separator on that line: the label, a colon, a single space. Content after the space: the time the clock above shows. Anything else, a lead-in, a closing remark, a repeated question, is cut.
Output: 5:31:15
